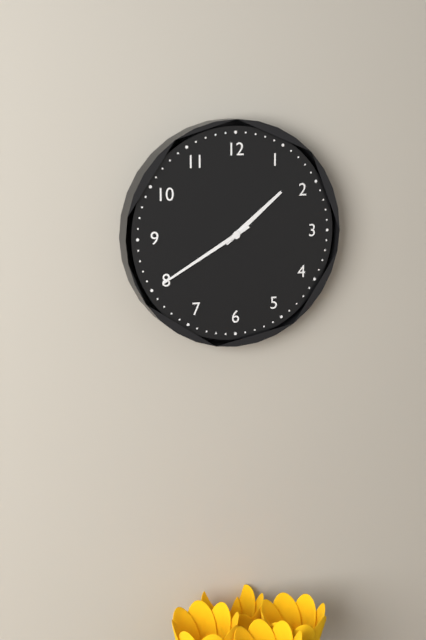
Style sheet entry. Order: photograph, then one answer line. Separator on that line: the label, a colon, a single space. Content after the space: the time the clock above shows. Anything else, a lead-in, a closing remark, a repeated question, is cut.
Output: 1:40
